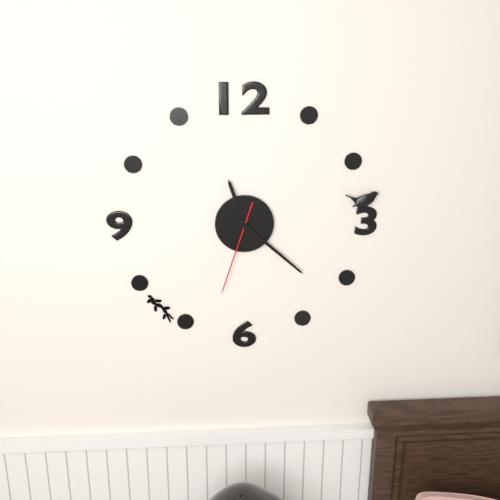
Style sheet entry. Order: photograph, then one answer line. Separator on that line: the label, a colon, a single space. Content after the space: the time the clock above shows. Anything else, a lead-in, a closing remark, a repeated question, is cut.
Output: 11:22:33
